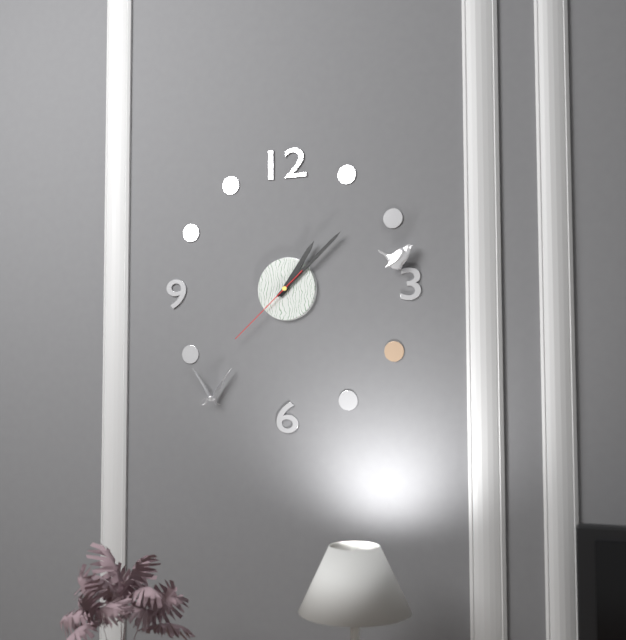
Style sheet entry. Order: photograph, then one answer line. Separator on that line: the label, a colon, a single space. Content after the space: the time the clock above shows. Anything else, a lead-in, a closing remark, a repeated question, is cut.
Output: 1:08:38
